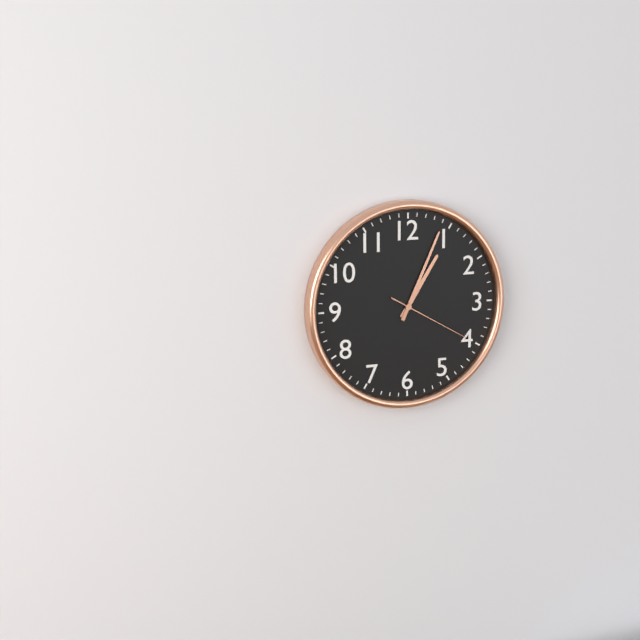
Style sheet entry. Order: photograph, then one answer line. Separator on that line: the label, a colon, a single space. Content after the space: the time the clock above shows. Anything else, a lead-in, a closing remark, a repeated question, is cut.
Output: 1:04:20
